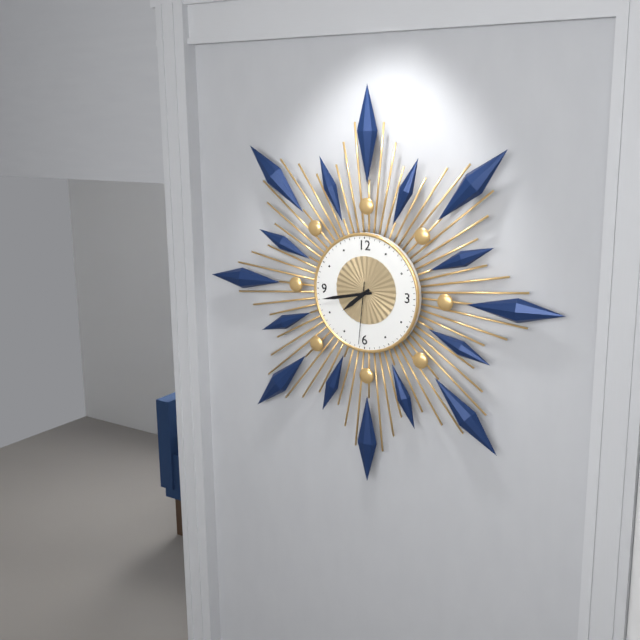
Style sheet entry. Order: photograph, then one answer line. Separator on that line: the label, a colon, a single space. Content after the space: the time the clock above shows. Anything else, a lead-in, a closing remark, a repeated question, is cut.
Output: 7:43:31
